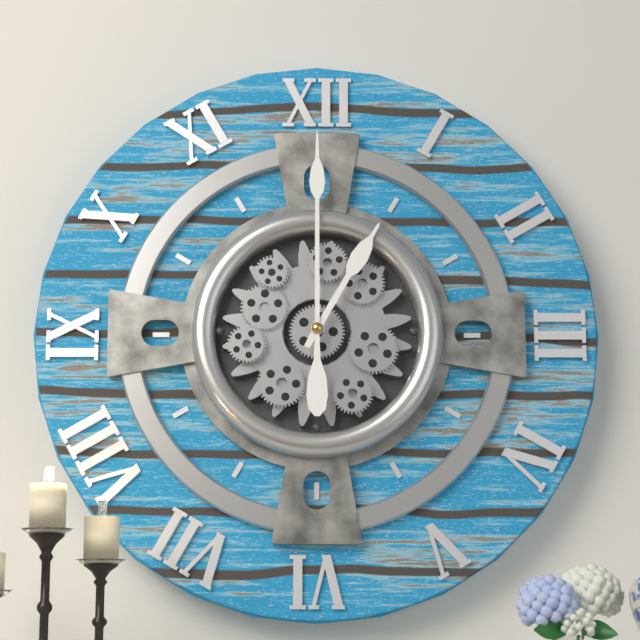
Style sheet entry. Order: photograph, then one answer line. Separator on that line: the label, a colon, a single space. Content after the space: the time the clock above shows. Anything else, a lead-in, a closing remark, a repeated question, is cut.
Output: 1:00
